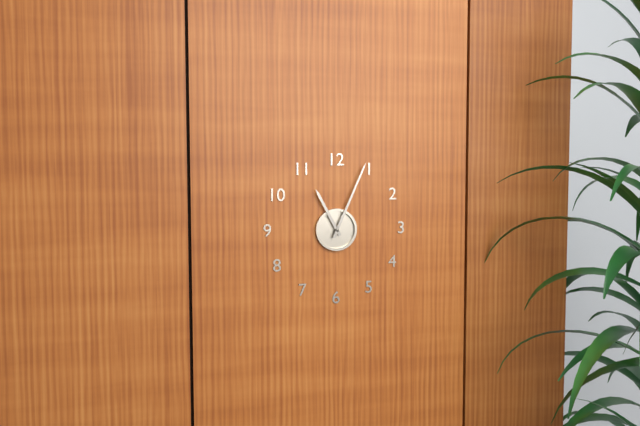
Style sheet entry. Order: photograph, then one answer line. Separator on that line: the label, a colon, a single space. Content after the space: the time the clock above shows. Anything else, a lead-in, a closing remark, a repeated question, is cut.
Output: 11:04
